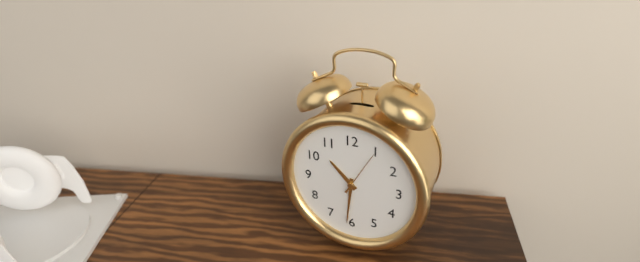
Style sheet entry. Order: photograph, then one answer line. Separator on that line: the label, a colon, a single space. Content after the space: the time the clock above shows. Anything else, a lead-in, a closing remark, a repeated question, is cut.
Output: 10:31
